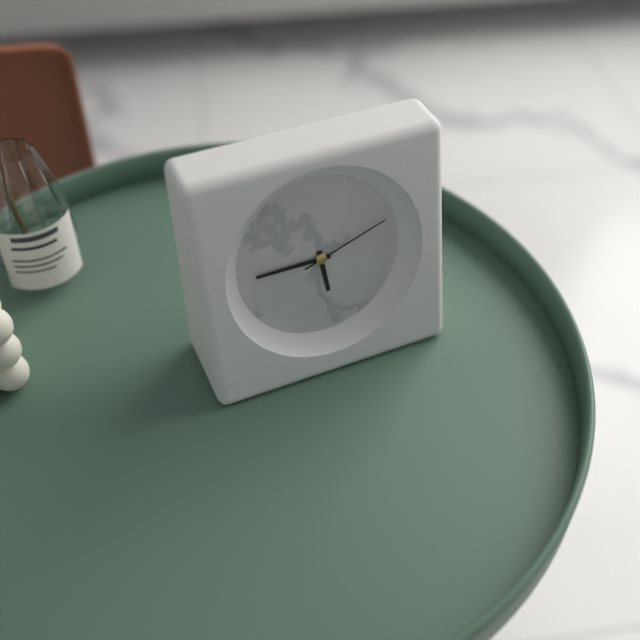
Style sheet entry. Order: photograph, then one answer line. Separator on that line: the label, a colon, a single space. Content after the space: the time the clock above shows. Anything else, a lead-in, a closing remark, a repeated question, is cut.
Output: 5:45:12
